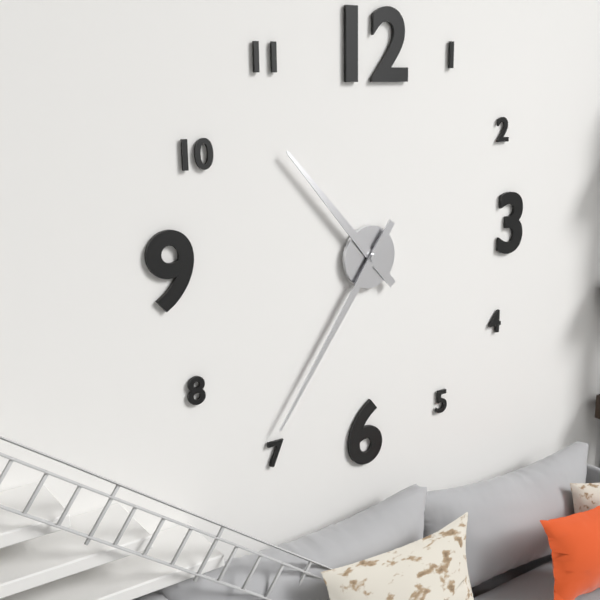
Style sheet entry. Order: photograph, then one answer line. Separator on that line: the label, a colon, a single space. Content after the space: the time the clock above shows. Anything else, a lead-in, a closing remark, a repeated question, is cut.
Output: 10:36
